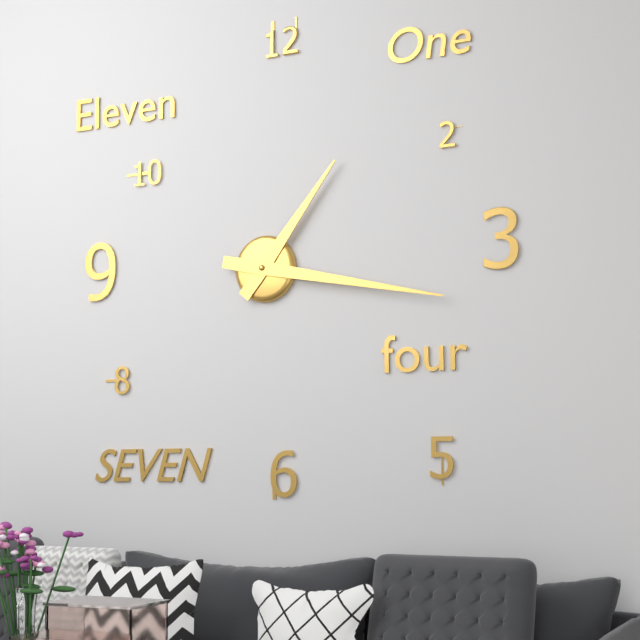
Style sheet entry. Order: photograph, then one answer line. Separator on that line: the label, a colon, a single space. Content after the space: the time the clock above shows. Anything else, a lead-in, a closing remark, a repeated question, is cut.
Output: 1:17
